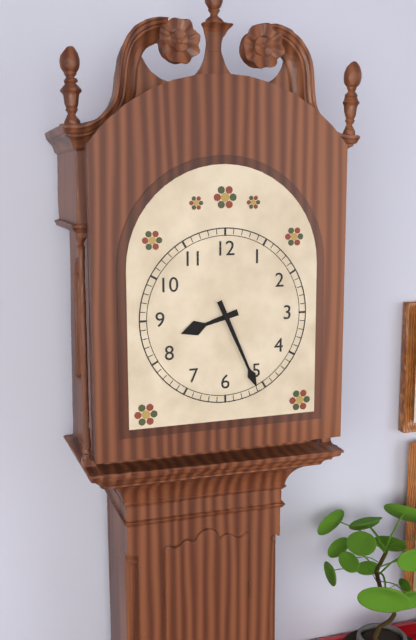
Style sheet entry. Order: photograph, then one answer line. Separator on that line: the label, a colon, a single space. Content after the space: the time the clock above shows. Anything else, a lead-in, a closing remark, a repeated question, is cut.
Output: 8:26
